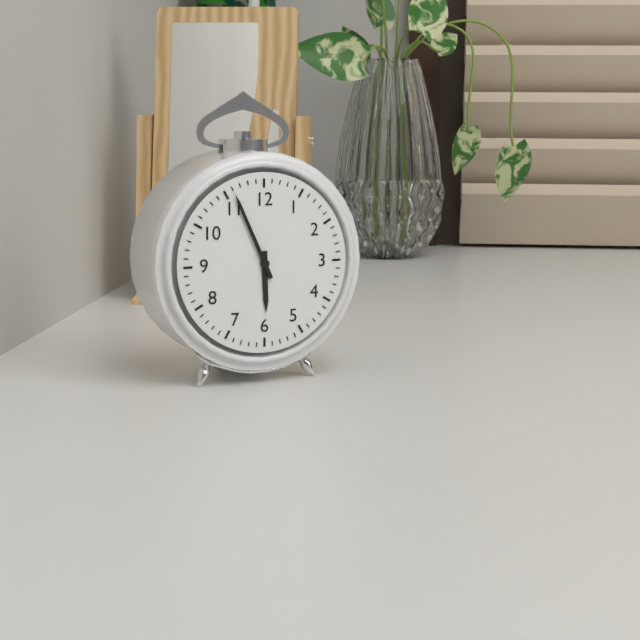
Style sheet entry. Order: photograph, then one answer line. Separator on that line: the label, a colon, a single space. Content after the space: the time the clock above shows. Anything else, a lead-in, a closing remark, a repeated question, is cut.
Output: 5:56
